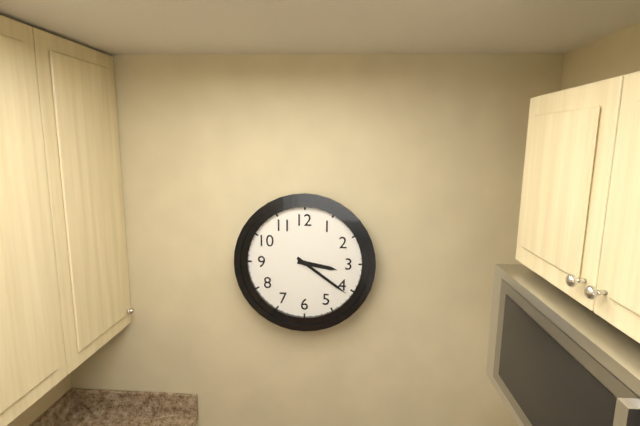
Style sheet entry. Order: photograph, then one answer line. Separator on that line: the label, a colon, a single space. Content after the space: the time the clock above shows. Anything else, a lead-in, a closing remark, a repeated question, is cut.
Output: 3:21
